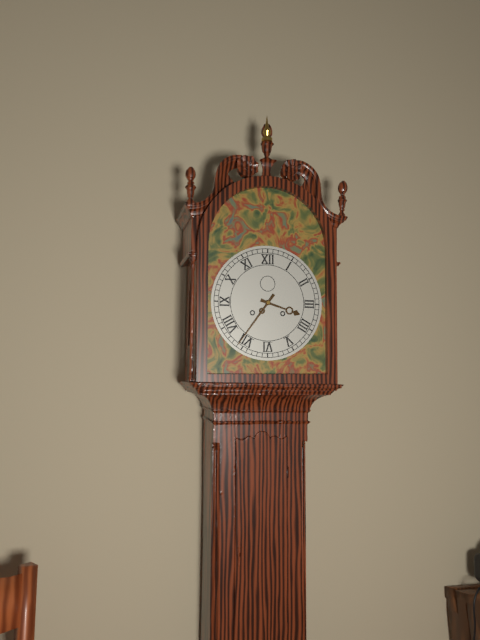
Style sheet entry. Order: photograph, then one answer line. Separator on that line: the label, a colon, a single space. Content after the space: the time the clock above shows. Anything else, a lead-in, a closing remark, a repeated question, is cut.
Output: 3:36
